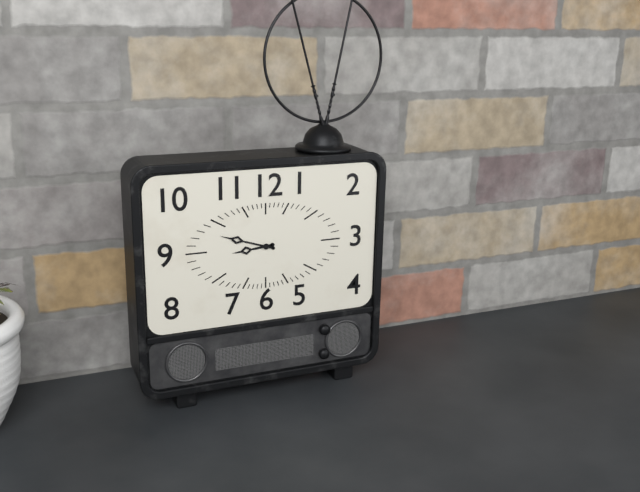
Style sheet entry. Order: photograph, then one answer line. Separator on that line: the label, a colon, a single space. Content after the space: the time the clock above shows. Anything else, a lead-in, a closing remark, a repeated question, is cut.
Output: 8:48
